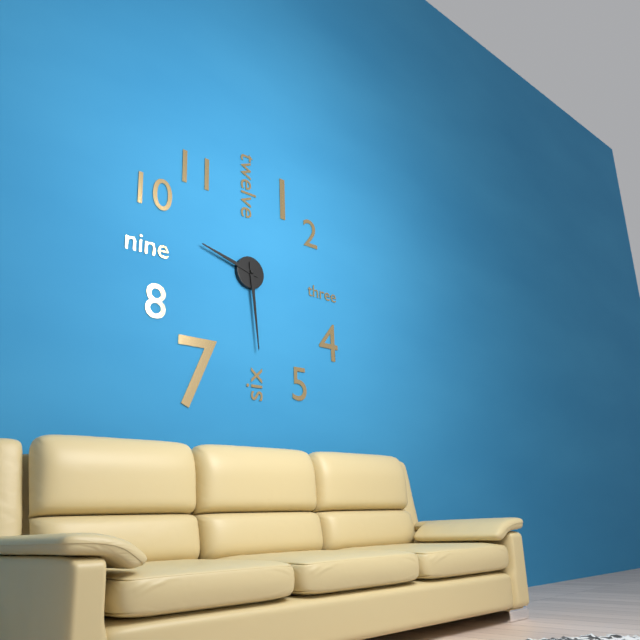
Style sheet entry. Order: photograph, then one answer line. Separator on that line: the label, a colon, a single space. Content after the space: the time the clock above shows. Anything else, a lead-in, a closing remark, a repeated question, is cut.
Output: 9:29
